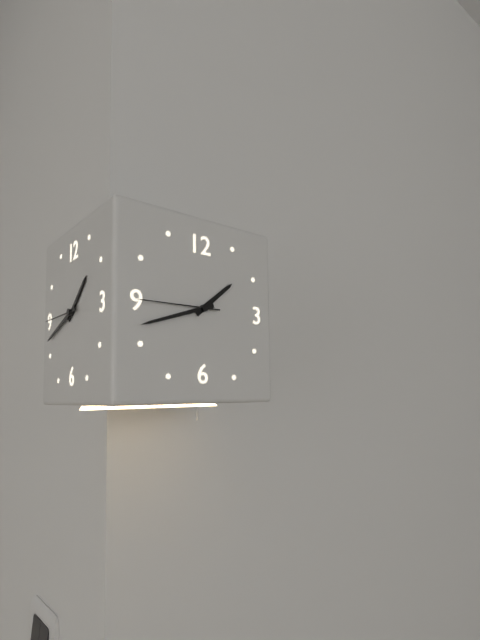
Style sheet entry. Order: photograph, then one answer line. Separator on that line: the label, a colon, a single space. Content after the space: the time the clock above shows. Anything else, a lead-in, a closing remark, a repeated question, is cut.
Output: 1:42:45
